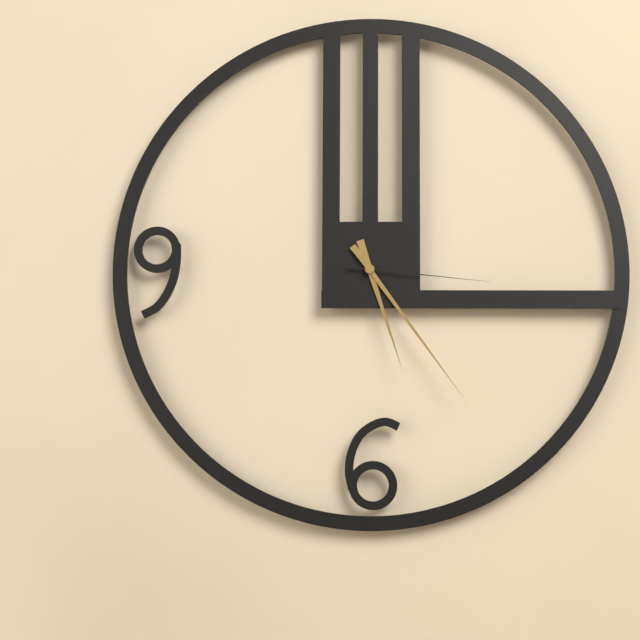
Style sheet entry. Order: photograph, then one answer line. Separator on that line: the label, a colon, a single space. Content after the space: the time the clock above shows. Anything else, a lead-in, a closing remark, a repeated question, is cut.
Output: 5:24:16
